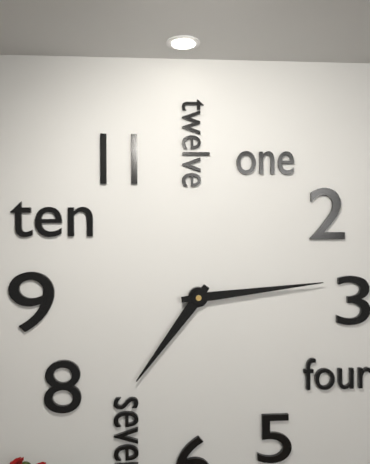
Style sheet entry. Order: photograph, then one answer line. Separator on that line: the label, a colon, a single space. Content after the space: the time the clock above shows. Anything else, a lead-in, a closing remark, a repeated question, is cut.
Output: 7:14
